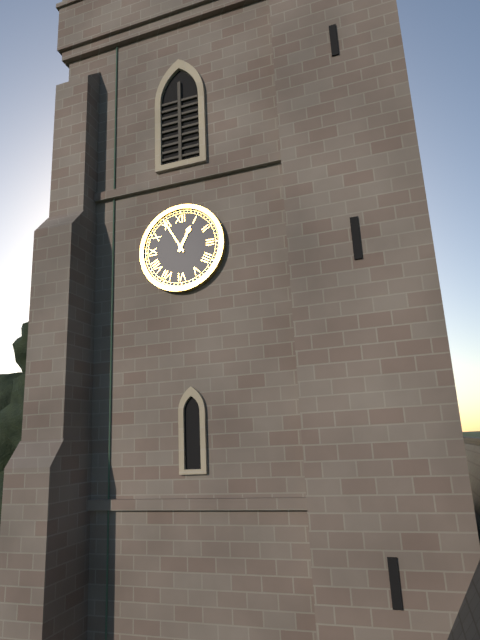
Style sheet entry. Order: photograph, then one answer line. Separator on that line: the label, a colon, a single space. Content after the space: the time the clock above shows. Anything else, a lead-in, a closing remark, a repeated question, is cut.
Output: 12:55
